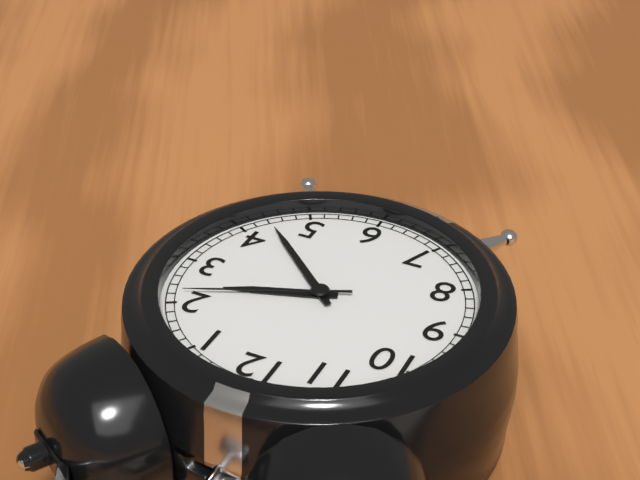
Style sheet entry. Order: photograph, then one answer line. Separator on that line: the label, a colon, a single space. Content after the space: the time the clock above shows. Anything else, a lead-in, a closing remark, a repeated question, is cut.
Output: 2:22:11
